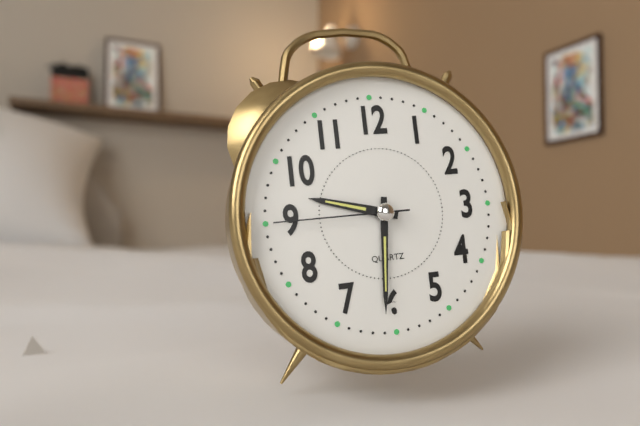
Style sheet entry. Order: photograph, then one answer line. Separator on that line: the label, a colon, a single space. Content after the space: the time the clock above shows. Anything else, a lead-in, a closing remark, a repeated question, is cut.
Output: 9:31:45
